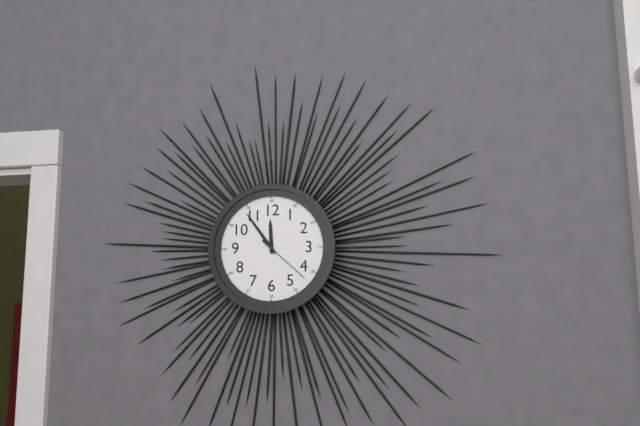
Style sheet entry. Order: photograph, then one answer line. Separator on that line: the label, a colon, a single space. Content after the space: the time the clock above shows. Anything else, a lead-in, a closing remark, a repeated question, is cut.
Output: 11:54:22
